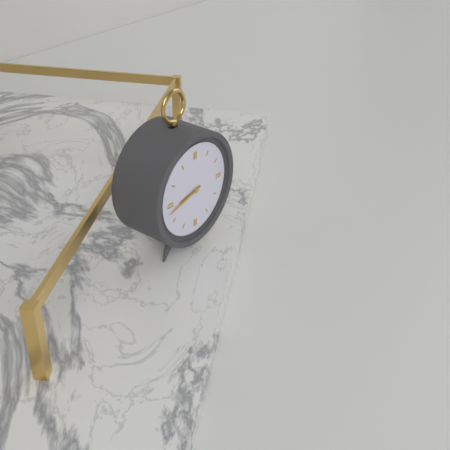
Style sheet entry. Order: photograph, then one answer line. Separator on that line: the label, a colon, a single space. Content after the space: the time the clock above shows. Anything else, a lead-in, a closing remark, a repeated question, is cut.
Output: 8:43
